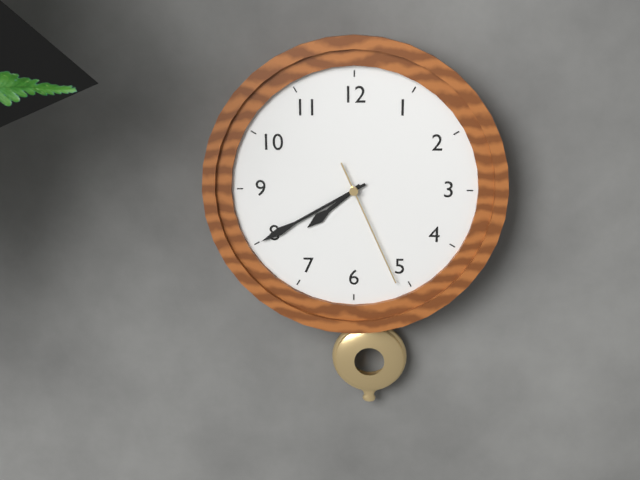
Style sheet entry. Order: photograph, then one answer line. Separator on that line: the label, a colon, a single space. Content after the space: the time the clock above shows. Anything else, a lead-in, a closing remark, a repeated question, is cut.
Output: 7:40:26
